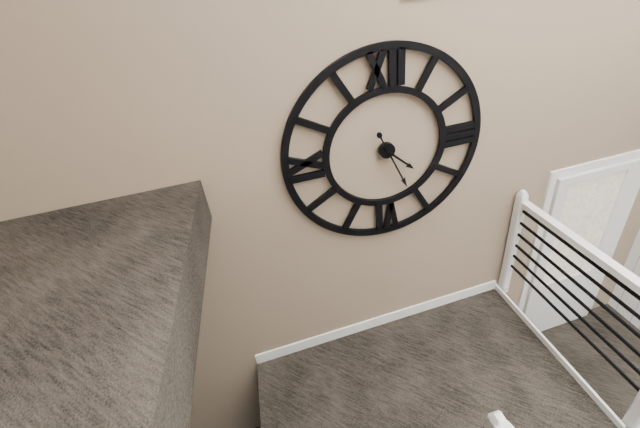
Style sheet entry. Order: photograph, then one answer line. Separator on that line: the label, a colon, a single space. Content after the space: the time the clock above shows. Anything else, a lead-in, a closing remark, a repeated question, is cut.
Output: 4:26
